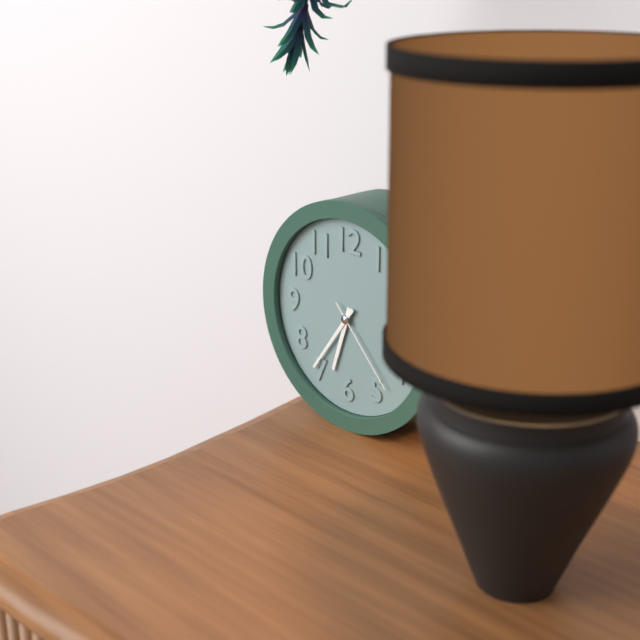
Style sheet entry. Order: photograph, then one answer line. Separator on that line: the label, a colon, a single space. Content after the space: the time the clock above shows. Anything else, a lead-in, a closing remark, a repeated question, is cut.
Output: 6:36:23
